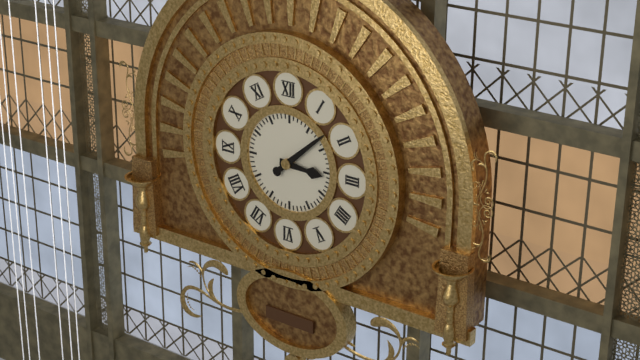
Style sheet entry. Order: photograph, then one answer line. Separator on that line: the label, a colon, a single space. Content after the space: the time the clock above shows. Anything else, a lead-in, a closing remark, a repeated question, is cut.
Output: 3:08
